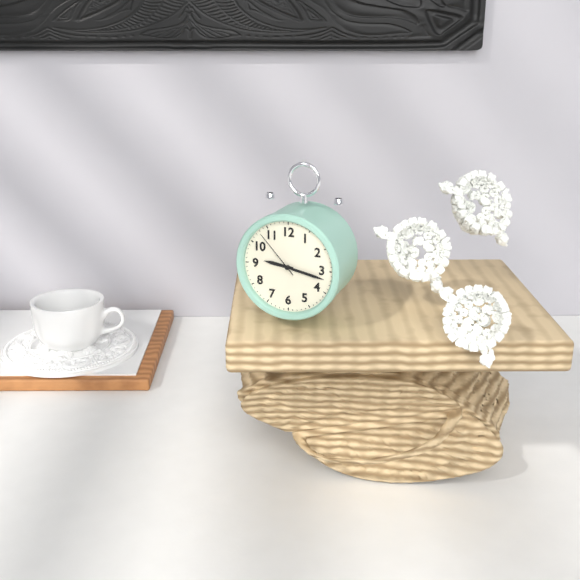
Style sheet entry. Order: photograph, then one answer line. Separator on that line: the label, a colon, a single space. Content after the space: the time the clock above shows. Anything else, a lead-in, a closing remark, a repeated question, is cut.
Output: 9:17:53
